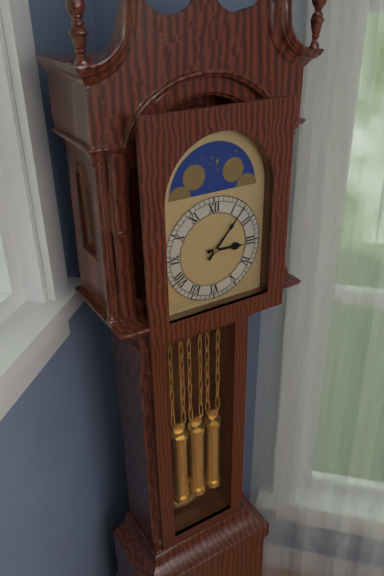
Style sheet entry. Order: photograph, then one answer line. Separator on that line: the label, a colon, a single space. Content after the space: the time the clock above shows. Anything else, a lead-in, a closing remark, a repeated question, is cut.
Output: 3:07
